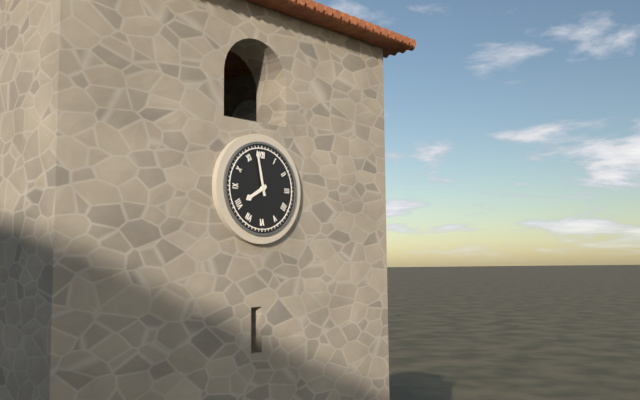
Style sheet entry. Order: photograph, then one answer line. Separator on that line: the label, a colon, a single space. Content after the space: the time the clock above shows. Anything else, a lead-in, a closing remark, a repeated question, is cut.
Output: 7:58
